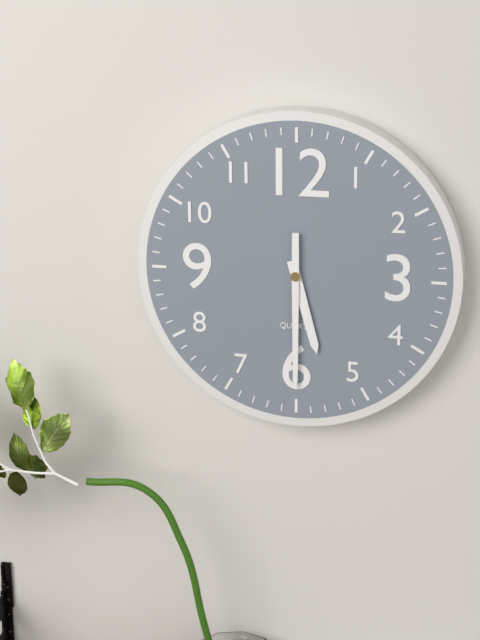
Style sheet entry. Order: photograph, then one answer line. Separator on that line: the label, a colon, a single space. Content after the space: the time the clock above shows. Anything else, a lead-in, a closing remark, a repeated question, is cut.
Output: 5:30
